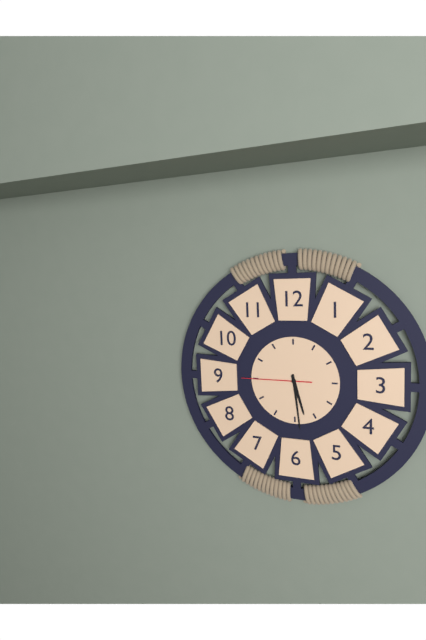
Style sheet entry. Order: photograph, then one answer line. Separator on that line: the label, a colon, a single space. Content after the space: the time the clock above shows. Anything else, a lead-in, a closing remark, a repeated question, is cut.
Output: 5:29:45
